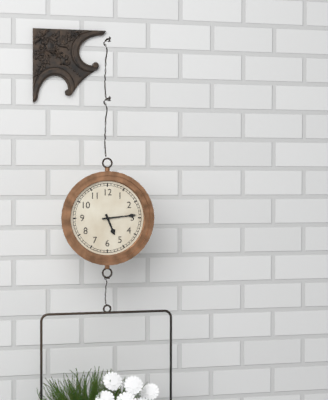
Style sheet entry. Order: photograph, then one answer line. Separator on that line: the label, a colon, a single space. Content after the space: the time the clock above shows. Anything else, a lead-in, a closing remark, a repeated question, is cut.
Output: 5:14
